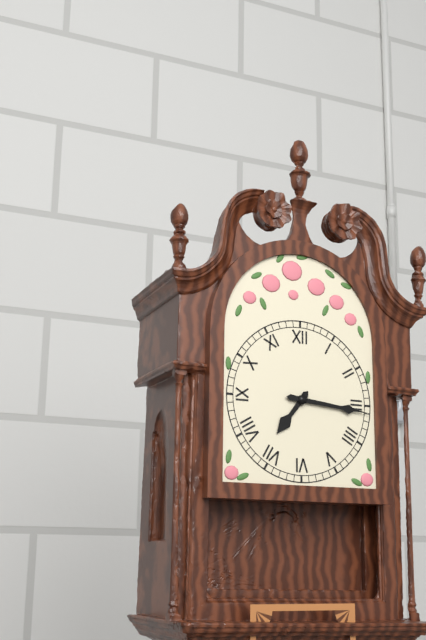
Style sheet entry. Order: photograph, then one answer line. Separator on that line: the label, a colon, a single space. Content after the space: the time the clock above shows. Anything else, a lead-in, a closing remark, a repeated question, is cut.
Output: 7:16
